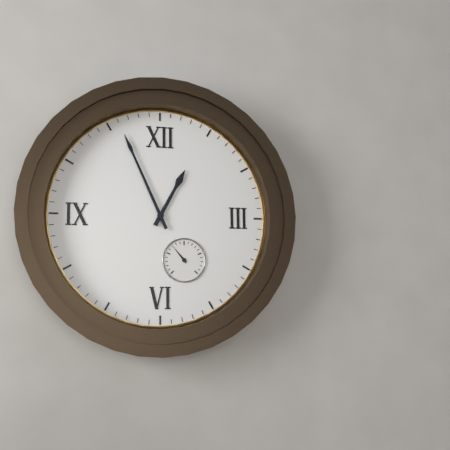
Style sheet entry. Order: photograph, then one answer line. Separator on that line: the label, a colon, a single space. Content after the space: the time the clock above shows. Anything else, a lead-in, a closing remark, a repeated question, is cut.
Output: 12:56
